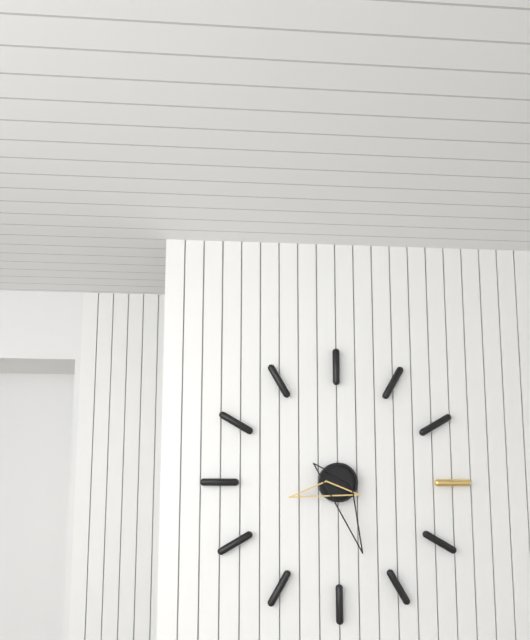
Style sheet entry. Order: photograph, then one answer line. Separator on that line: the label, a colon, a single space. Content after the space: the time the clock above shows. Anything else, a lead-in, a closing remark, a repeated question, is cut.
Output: 8:27
